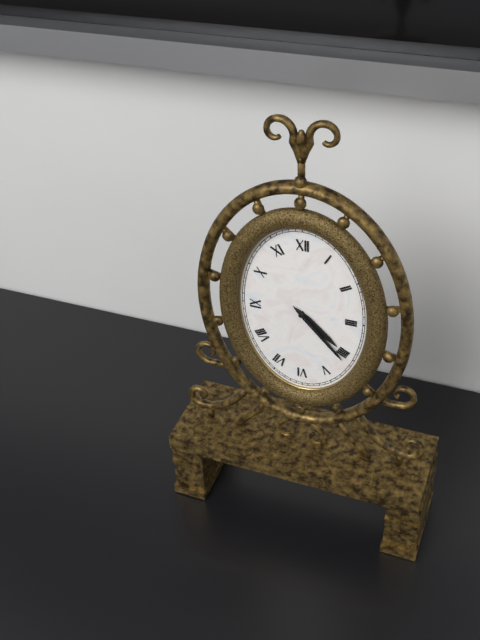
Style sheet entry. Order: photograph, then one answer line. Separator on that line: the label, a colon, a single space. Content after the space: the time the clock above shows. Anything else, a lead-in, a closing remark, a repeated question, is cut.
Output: 4:23
